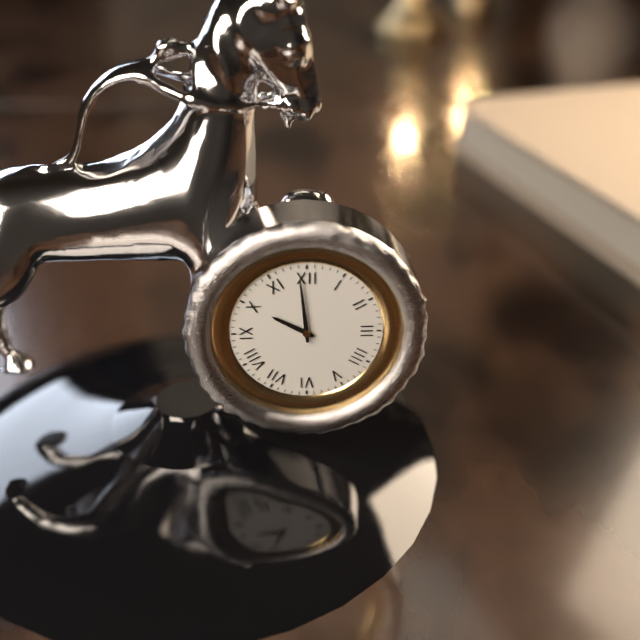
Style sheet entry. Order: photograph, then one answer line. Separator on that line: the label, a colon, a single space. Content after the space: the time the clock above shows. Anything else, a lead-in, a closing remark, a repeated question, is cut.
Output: 9:59
